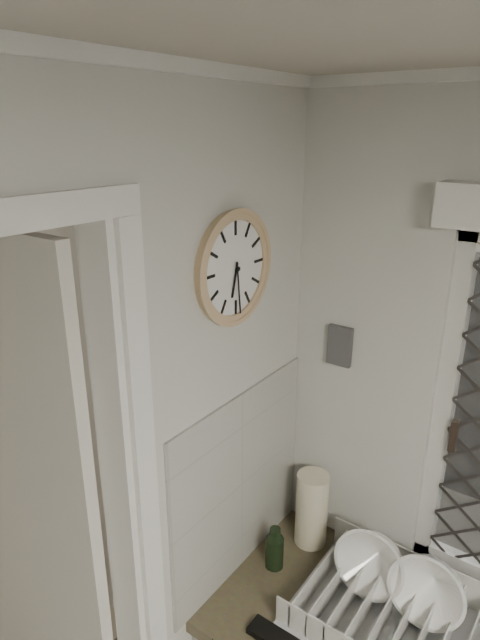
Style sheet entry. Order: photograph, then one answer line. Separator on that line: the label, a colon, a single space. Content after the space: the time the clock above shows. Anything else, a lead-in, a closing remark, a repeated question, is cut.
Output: 6:29
